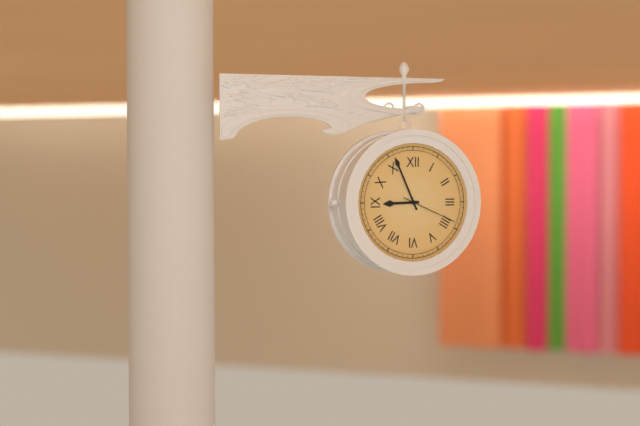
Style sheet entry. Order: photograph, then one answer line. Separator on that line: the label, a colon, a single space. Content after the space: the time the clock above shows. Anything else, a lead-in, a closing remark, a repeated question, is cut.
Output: 8:56:19
